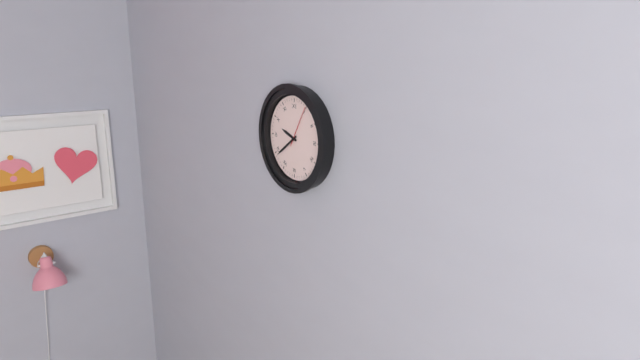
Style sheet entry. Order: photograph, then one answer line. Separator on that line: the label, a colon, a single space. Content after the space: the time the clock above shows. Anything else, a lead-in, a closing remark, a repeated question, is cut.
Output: 9:39
